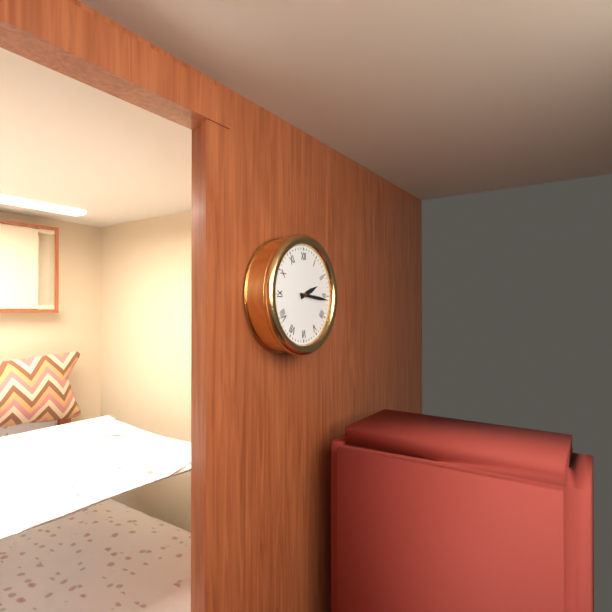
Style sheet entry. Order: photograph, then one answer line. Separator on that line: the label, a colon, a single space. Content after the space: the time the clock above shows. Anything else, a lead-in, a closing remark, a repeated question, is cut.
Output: 2:16
